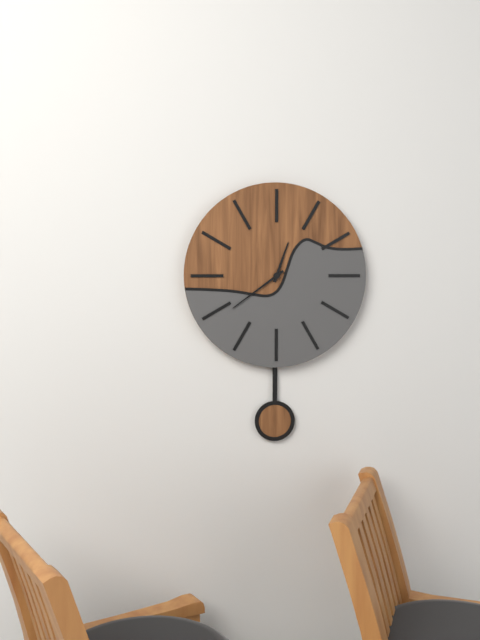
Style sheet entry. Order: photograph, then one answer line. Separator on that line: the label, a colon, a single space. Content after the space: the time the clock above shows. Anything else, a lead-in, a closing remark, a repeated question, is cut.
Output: 12:39
